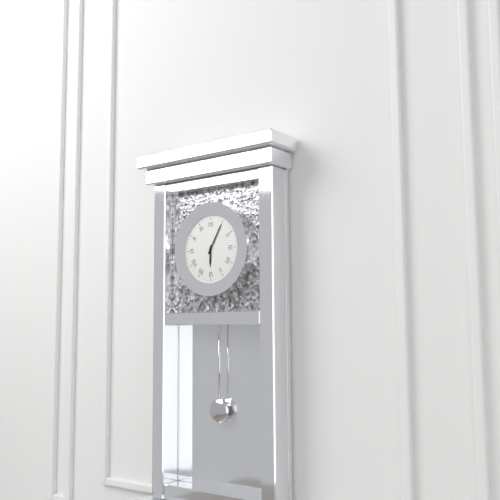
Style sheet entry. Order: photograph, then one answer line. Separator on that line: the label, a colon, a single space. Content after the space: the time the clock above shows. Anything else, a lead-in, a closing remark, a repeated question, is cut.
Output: 6:05
